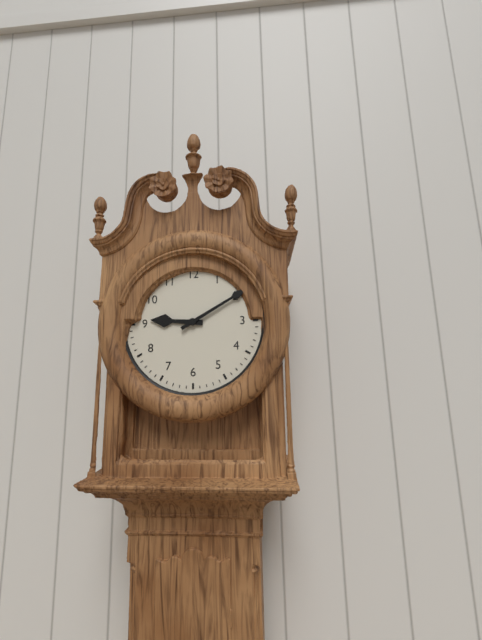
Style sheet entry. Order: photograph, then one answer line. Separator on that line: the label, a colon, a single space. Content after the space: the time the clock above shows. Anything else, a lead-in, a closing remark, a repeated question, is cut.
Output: 9:10
